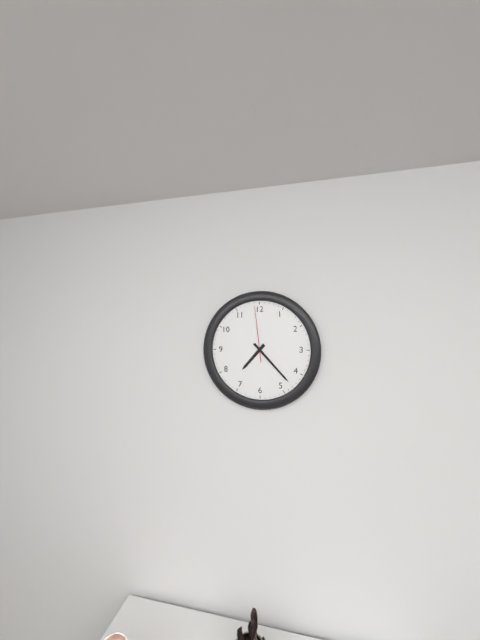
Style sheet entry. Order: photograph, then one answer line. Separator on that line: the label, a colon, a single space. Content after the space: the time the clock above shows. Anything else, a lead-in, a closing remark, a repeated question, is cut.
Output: 7:23:59
